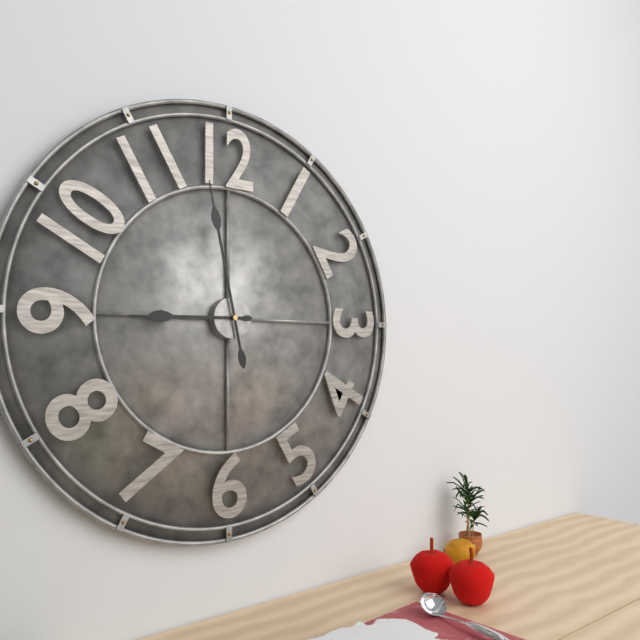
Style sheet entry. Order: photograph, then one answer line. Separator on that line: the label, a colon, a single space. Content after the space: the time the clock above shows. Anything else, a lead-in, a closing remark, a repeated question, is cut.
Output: 8:58
